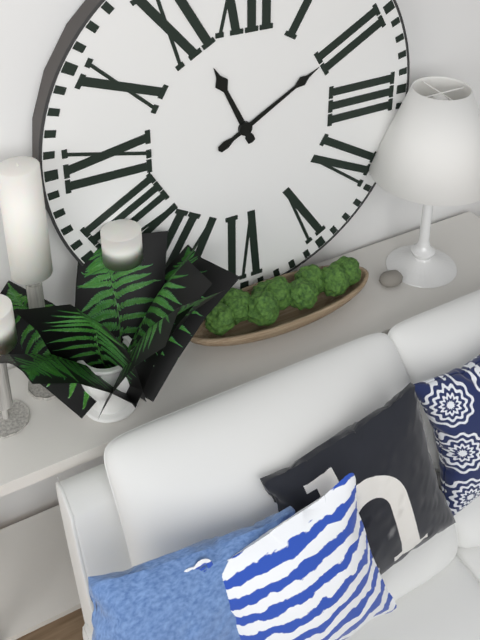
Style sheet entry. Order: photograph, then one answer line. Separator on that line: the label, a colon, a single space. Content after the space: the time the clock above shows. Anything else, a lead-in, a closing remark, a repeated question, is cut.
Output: 11:10
